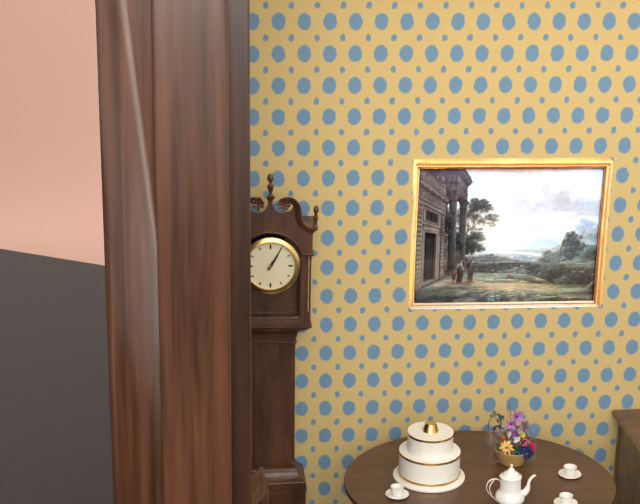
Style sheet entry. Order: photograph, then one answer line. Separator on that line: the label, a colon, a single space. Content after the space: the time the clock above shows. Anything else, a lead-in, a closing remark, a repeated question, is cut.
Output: 1:05
